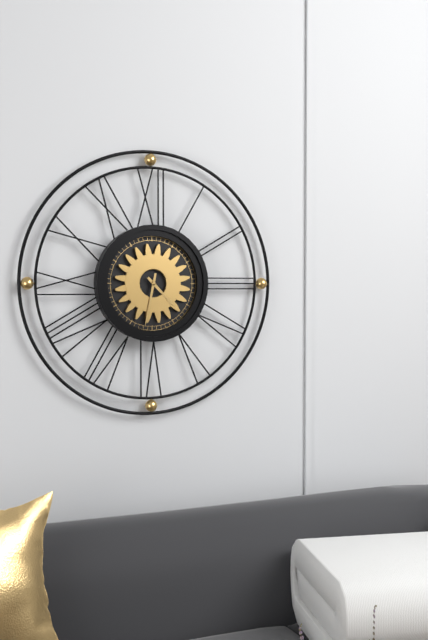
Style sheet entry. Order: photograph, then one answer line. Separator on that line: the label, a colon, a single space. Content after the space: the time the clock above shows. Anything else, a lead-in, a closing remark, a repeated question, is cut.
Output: 4:32
